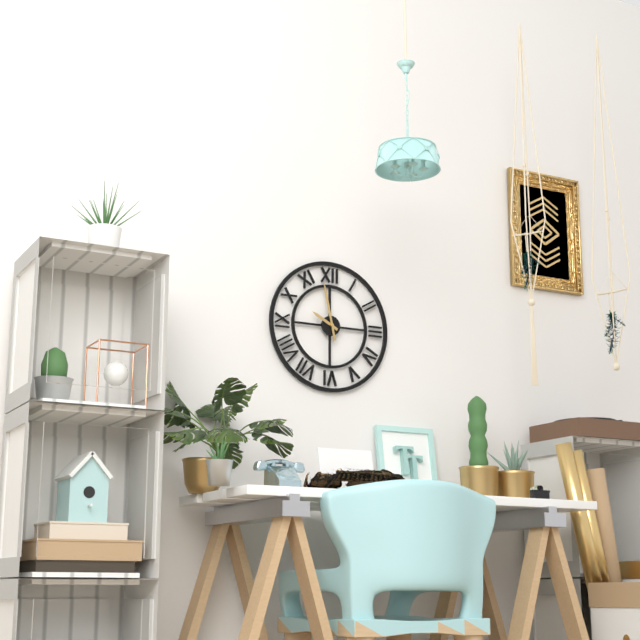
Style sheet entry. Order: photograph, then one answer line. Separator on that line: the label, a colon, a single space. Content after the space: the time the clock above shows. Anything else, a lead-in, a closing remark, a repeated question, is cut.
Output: 9:58
